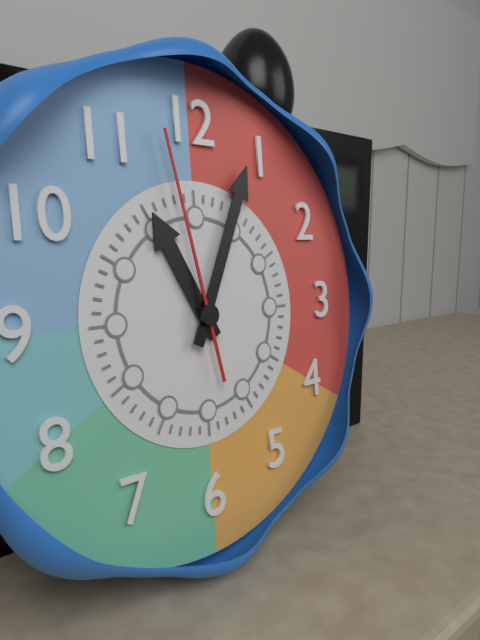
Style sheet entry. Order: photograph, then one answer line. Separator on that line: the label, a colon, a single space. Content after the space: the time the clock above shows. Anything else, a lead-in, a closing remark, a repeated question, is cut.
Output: 11:04:58
